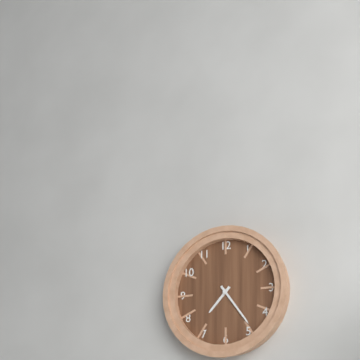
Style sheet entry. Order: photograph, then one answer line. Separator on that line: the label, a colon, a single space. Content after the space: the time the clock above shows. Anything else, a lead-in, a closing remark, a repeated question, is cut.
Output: 7:24
